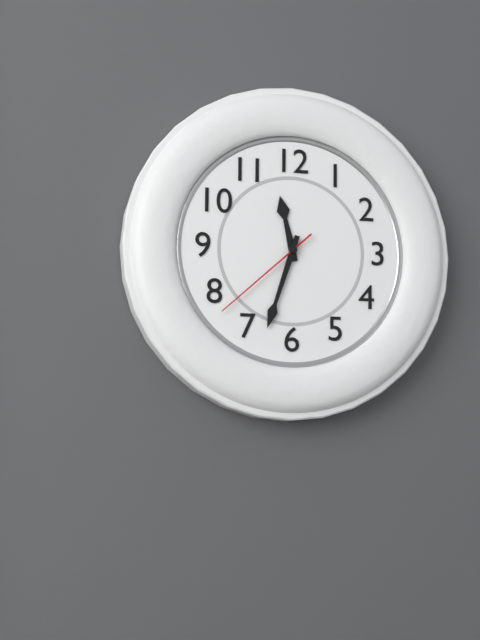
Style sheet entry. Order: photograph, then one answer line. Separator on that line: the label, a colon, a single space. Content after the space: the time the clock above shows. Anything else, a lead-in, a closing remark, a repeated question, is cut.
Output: 11:33:38
